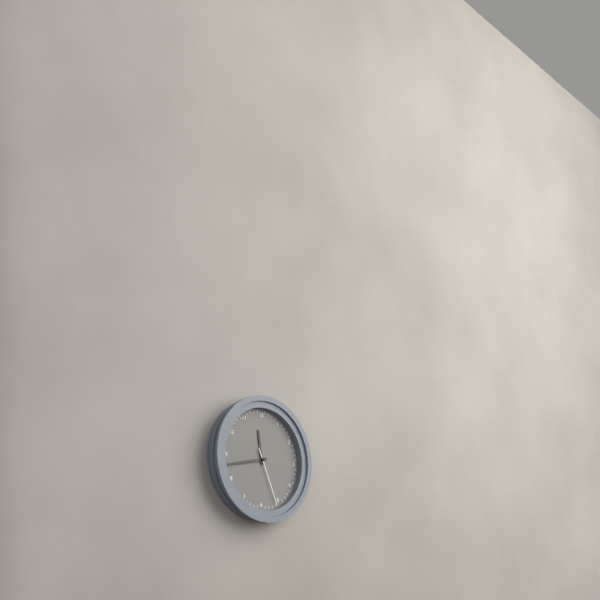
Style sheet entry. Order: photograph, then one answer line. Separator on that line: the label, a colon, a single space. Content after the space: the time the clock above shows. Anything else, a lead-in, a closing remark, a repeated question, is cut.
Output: 11:43:26
